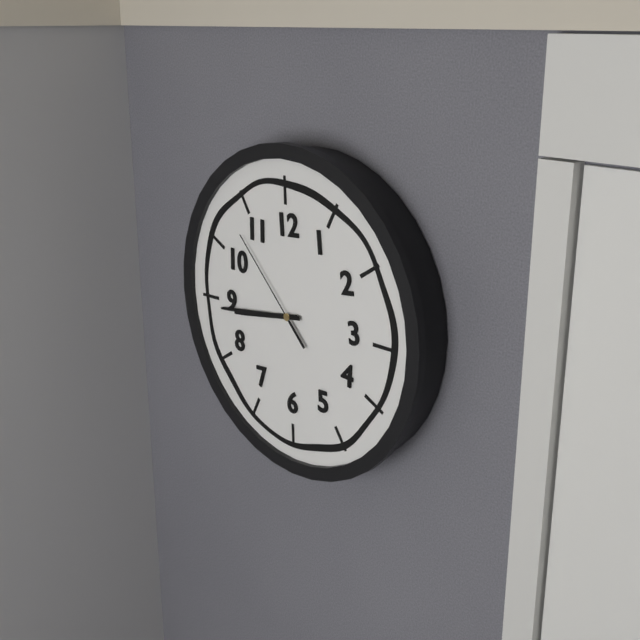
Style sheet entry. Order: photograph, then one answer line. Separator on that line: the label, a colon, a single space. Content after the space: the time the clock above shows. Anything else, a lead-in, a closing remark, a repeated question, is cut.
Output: 8:44:53
